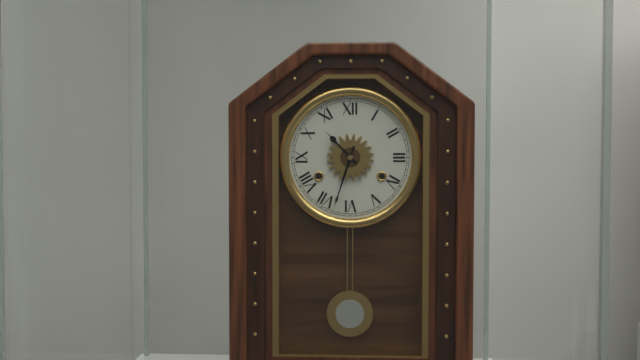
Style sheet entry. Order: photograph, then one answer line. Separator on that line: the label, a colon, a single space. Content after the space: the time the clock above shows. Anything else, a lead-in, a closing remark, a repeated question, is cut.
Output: 10:33
